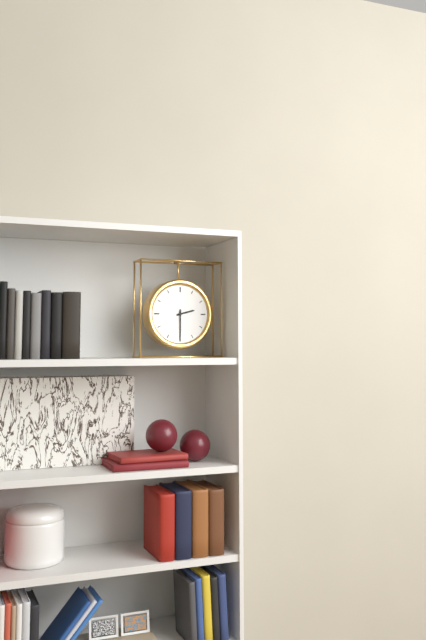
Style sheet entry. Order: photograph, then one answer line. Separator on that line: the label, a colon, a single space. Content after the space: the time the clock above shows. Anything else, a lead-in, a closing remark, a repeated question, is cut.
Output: 2:30
